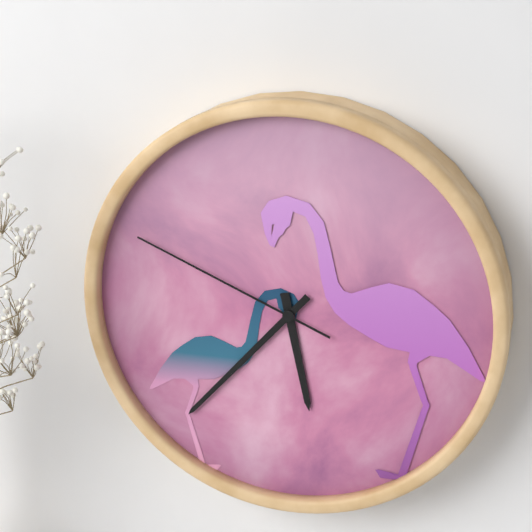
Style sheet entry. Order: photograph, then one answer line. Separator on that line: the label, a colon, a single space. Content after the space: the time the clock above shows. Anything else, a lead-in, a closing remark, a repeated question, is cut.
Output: 5:37:49
